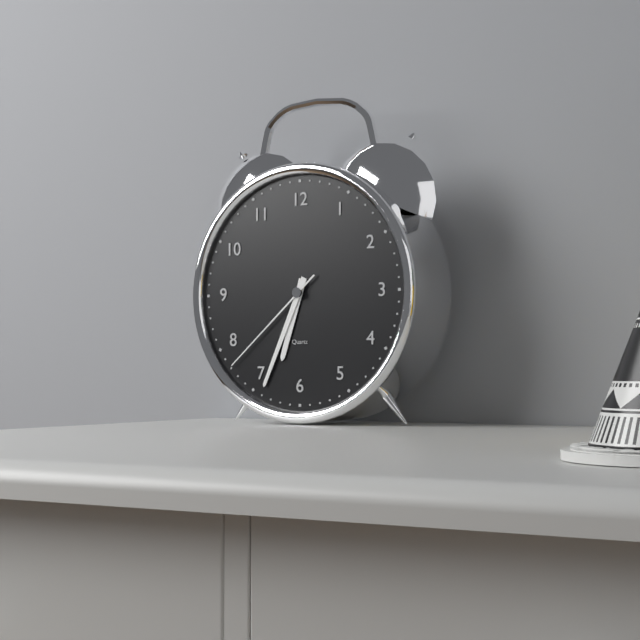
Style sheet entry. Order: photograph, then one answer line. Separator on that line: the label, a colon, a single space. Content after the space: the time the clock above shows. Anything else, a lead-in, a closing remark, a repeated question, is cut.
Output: 6:34:38
